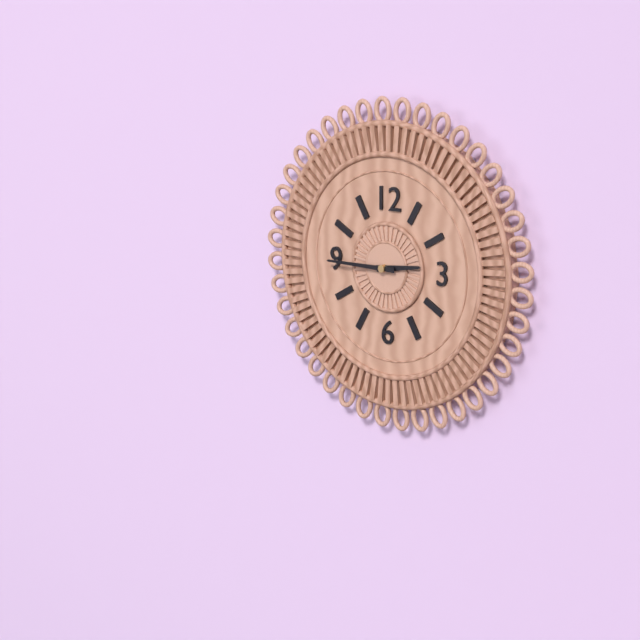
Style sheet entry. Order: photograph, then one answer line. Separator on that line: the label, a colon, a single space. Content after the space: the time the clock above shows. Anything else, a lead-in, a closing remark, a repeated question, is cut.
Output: 2:45
